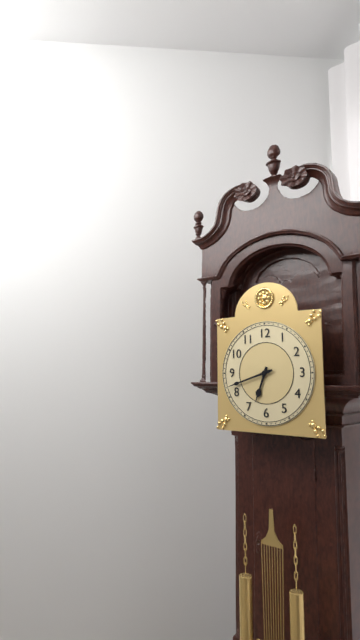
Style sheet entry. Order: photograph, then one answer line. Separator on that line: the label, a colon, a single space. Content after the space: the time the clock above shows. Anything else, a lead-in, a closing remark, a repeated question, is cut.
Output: 6:42
